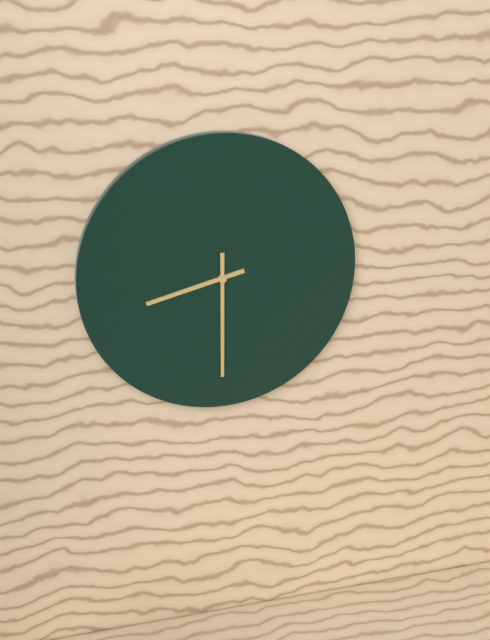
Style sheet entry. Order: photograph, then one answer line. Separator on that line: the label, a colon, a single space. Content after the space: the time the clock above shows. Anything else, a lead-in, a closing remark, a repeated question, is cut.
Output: 8:30
